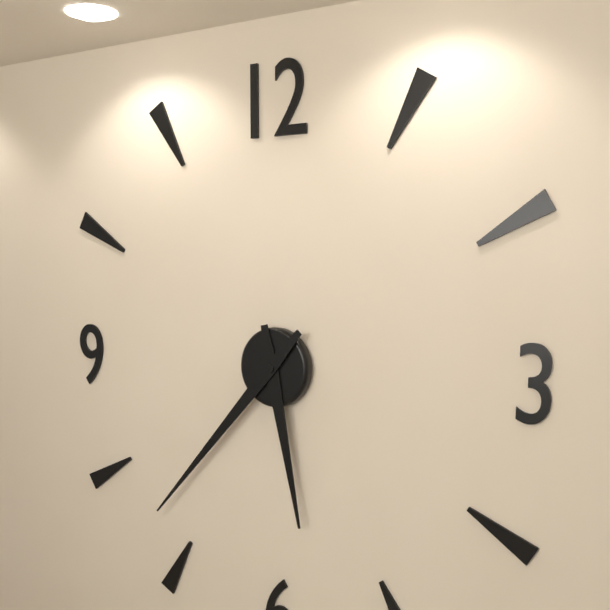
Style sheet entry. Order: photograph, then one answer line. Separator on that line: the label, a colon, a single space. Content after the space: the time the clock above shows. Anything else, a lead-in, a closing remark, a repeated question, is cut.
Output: 5:37
